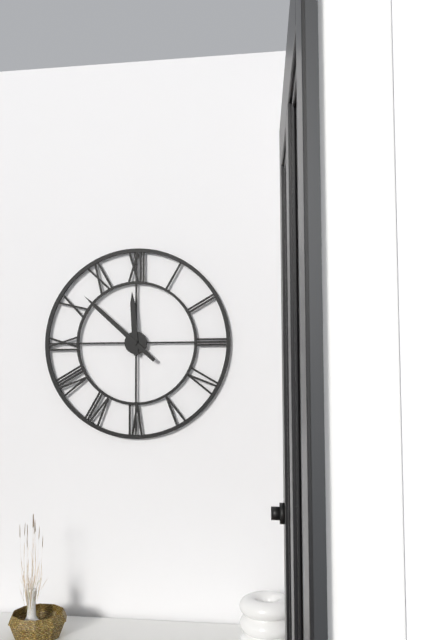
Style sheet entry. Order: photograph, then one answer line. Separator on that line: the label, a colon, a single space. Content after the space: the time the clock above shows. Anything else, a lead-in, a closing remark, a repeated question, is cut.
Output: 11:52
